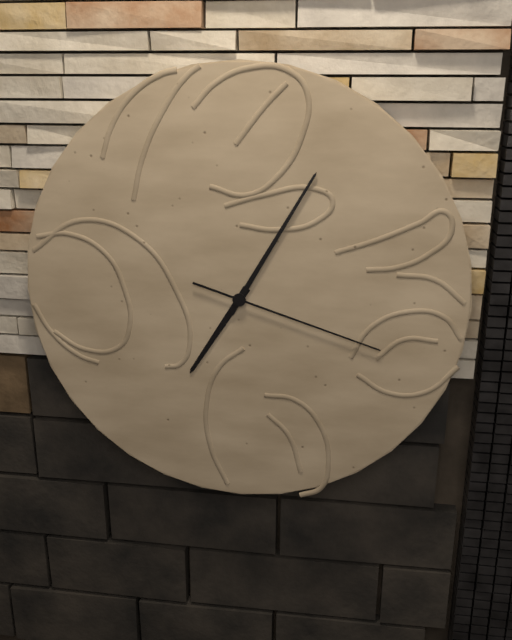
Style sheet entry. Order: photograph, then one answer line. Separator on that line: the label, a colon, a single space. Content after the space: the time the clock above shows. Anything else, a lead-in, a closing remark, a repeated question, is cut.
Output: 7:05:18
